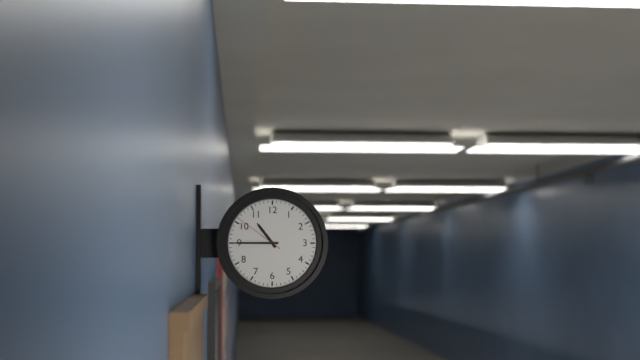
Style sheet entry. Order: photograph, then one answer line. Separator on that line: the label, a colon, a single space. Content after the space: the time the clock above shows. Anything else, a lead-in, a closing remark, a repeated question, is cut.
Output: 10:45:51
